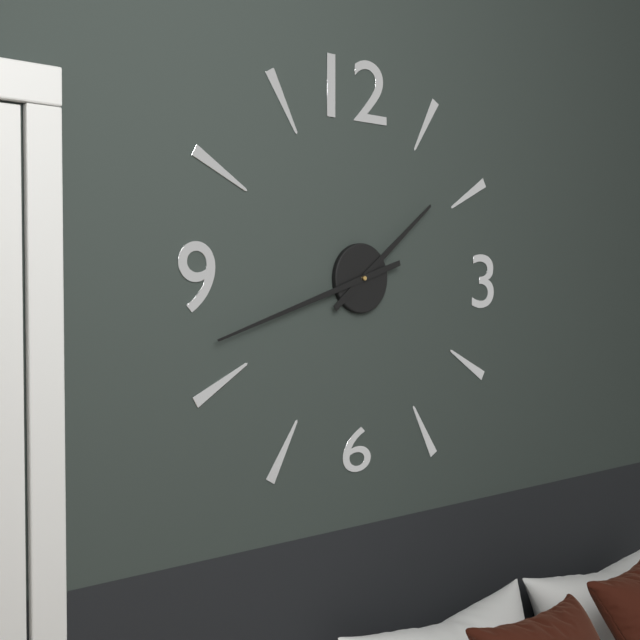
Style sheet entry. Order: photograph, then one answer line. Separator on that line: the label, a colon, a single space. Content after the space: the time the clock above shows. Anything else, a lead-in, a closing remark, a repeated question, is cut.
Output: 1:42
